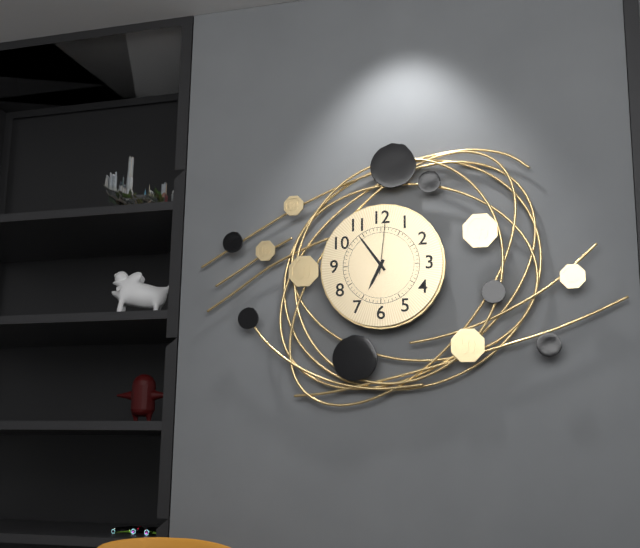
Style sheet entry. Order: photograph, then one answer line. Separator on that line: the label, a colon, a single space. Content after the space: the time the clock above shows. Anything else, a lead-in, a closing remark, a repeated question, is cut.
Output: 6:54:01
